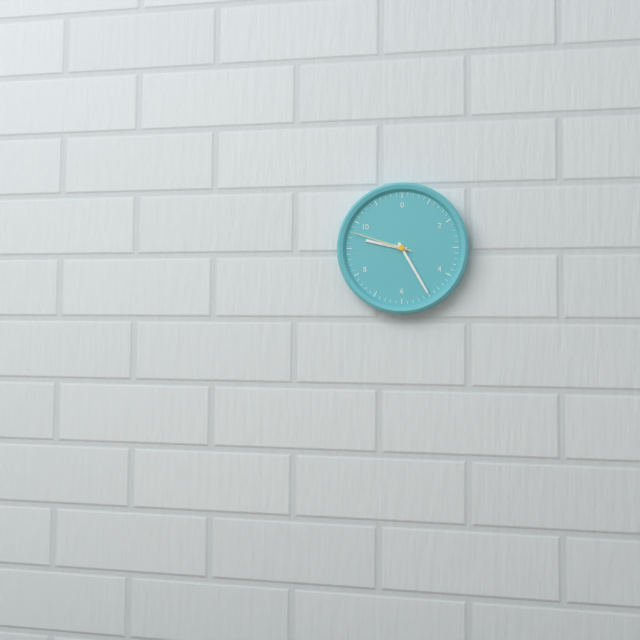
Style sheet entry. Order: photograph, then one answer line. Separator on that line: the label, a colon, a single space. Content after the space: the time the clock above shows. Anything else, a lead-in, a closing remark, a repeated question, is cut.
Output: 9:25:48
